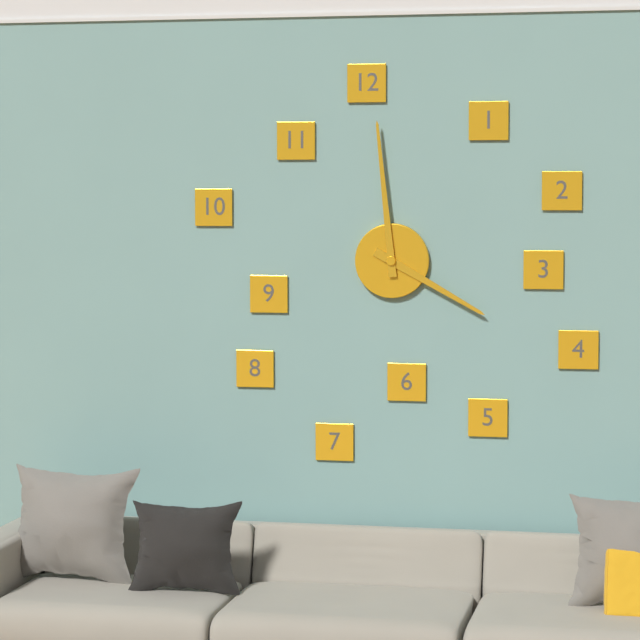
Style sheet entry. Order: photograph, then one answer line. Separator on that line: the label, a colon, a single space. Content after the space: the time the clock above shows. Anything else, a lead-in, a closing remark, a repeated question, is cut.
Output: 3:59
